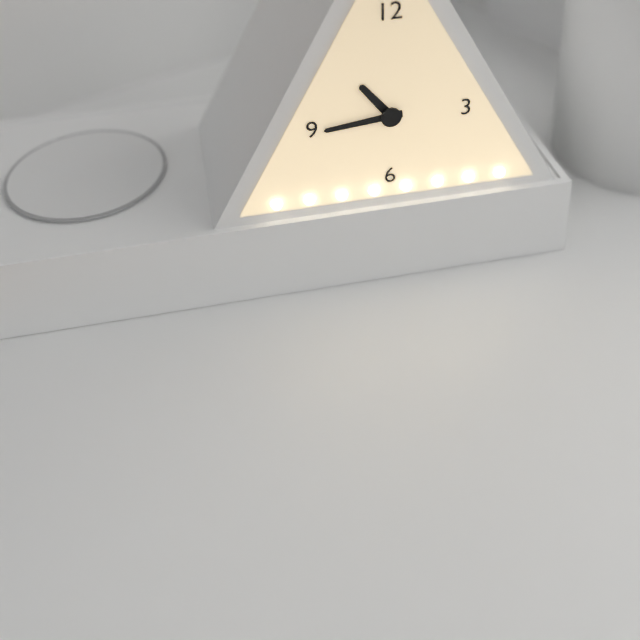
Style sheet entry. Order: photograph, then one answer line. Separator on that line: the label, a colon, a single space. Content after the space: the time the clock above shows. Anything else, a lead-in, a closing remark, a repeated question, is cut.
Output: 10:44
